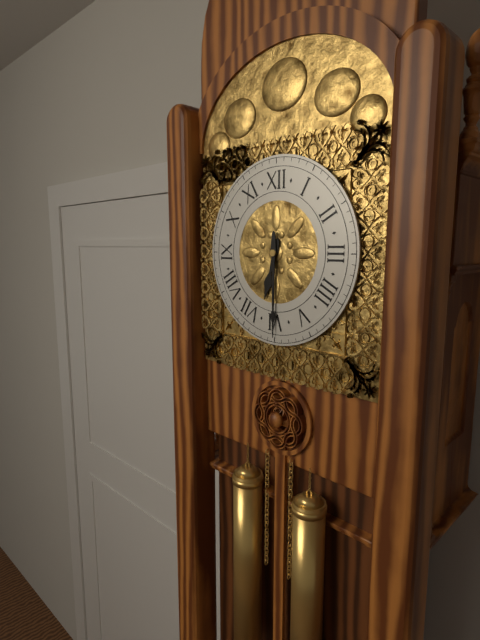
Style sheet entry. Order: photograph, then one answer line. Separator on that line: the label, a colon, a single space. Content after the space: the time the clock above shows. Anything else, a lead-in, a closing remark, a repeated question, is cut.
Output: 6:30
